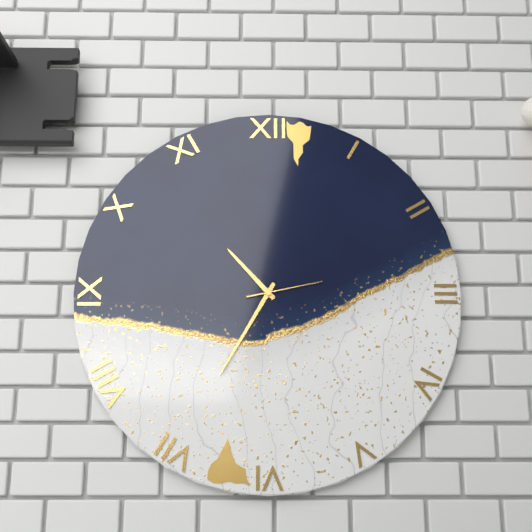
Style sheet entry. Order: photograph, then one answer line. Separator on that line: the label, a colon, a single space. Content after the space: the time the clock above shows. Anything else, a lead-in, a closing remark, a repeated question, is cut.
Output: 10:35:13
